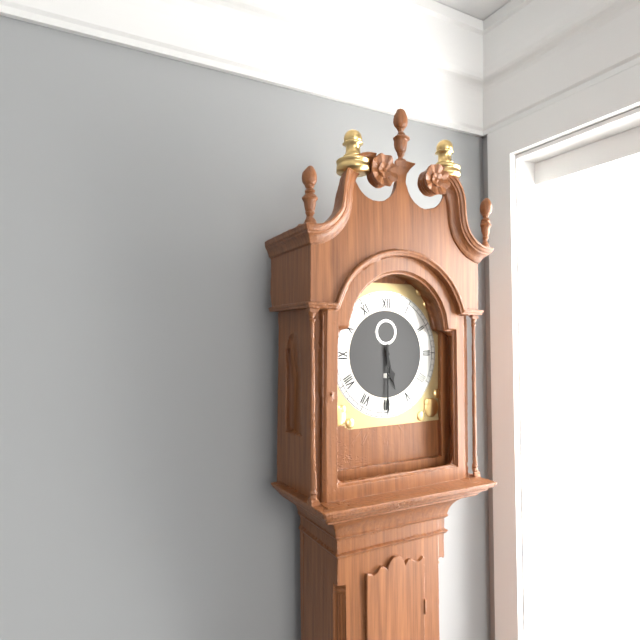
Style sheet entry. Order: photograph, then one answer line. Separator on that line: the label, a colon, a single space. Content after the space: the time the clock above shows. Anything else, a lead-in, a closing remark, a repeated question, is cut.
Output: 5:30
